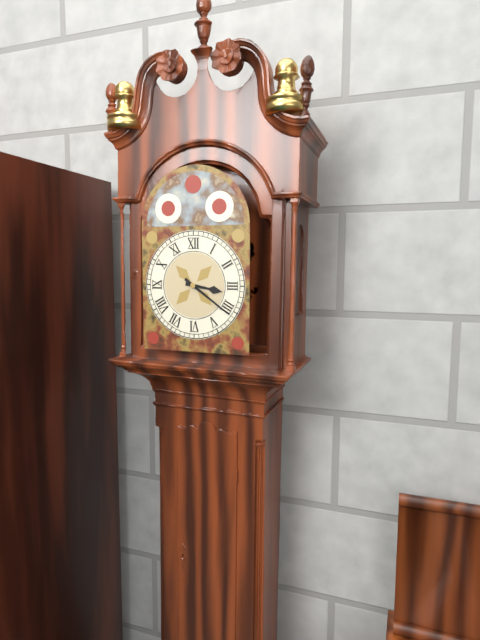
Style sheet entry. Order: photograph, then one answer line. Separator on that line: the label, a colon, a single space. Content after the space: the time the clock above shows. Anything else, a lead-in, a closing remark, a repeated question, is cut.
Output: 3:21
